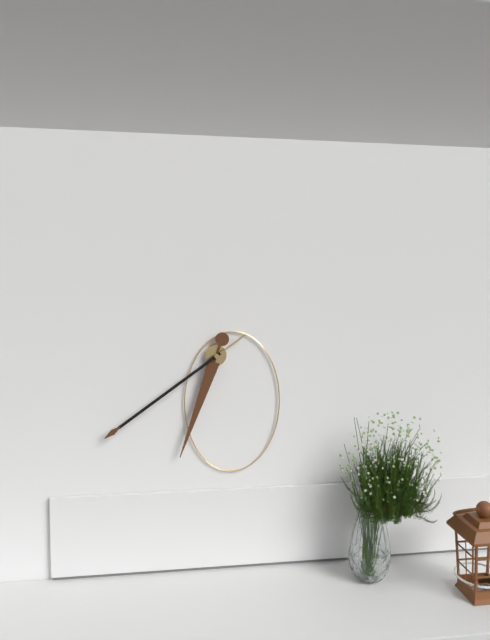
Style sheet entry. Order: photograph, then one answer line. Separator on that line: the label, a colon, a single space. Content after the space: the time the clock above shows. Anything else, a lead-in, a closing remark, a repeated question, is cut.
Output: 6:39
